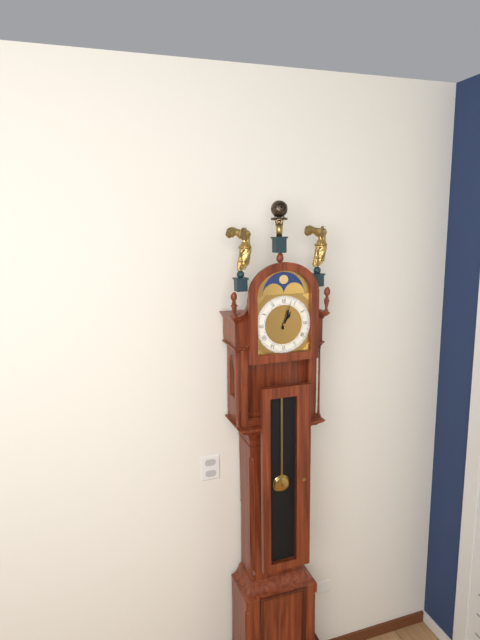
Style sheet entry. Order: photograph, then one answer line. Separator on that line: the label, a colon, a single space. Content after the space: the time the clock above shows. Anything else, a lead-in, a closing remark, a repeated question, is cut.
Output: 1:03
